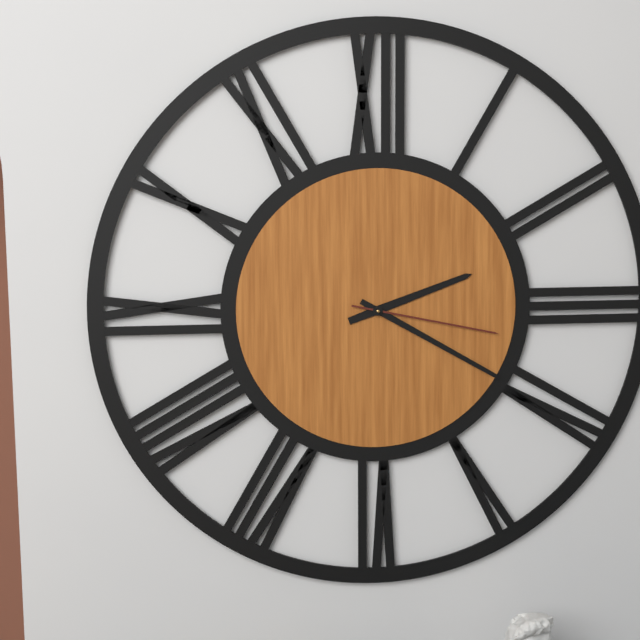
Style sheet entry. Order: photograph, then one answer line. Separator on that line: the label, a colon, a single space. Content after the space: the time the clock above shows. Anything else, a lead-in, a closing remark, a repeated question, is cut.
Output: 2:20:17
